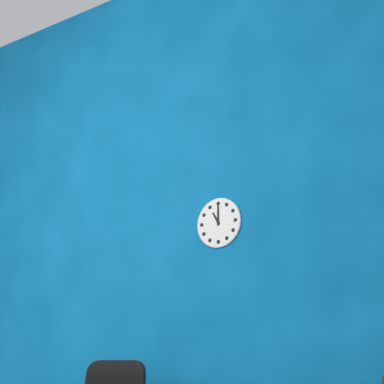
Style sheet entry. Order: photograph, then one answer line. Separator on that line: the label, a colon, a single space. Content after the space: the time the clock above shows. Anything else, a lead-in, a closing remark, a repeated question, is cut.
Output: 11:00
